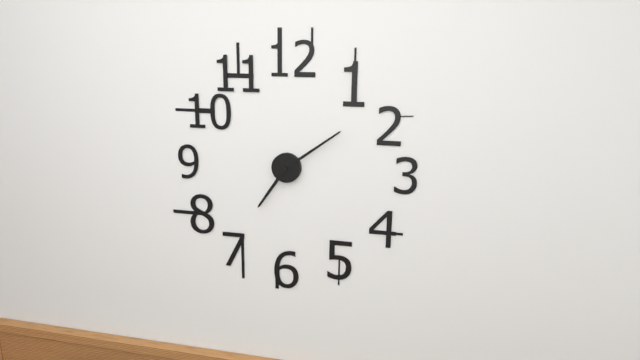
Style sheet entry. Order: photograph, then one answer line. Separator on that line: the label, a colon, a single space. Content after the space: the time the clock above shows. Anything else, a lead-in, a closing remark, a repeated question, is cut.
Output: 7:09
